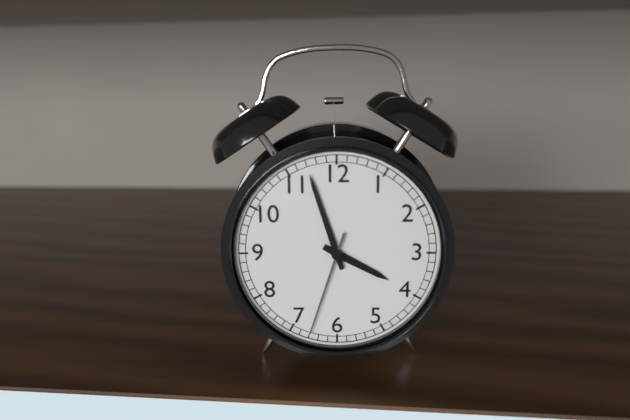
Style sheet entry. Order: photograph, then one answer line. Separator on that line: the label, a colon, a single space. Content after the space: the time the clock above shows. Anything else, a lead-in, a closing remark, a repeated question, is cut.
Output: 3:57:33
